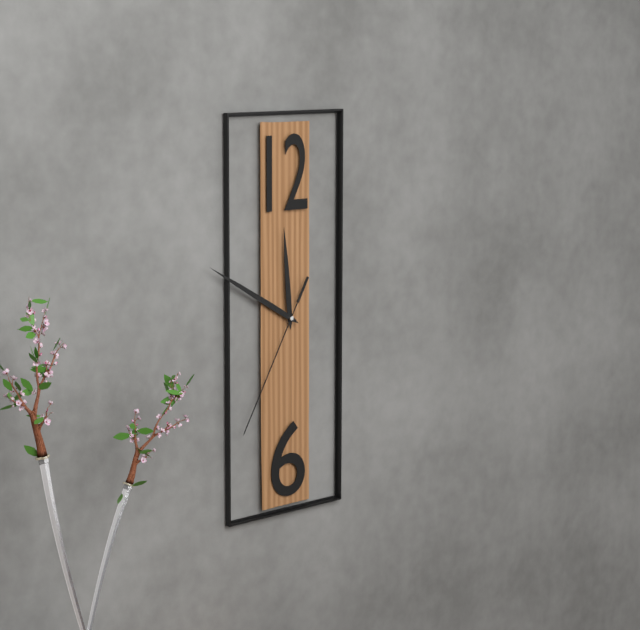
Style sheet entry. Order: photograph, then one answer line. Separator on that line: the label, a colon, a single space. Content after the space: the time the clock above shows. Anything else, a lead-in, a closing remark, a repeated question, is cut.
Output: 11:50:35
